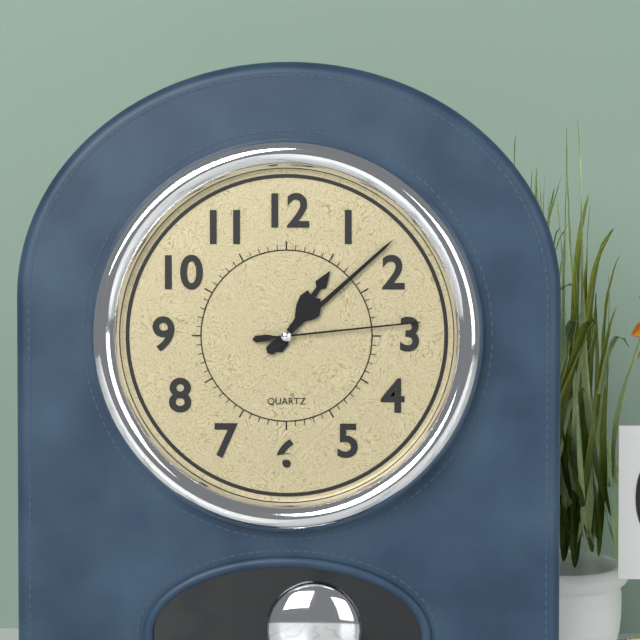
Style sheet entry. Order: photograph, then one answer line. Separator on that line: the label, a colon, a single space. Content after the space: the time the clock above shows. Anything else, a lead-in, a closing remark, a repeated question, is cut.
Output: 1:08:14
